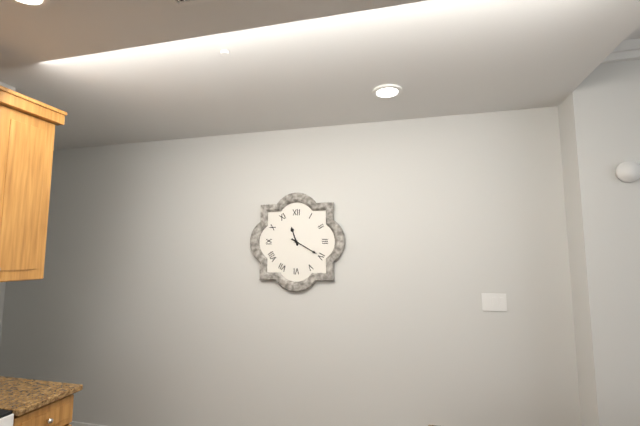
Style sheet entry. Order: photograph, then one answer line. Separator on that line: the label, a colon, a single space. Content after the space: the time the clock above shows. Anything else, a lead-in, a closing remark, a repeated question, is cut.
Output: 11:20
